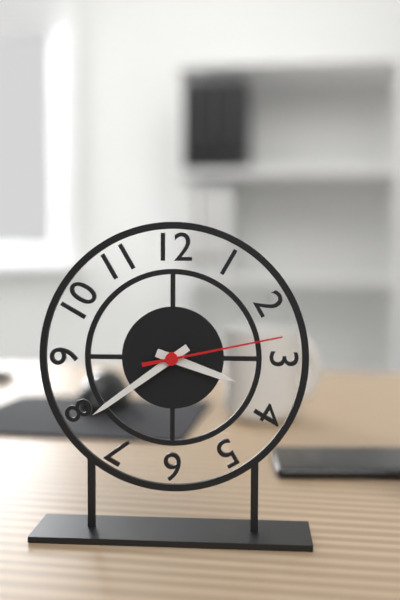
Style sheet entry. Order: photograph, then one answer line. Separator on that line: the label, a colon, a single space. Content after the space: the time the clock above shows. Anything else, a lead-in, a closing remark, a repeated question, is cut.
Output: 3:39:13
